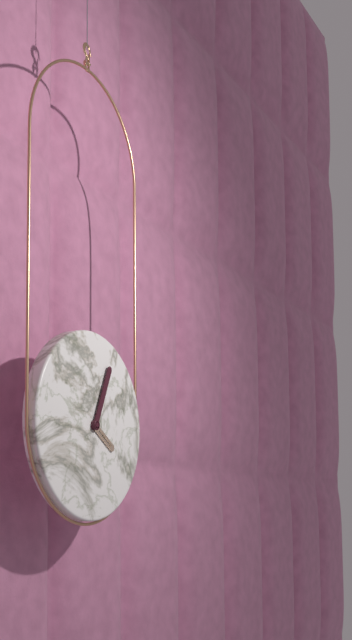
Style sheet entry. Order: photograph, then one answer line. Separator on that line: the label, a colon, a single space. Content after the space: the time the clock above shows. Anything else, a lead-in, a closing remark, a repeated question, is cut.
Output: 4:04
